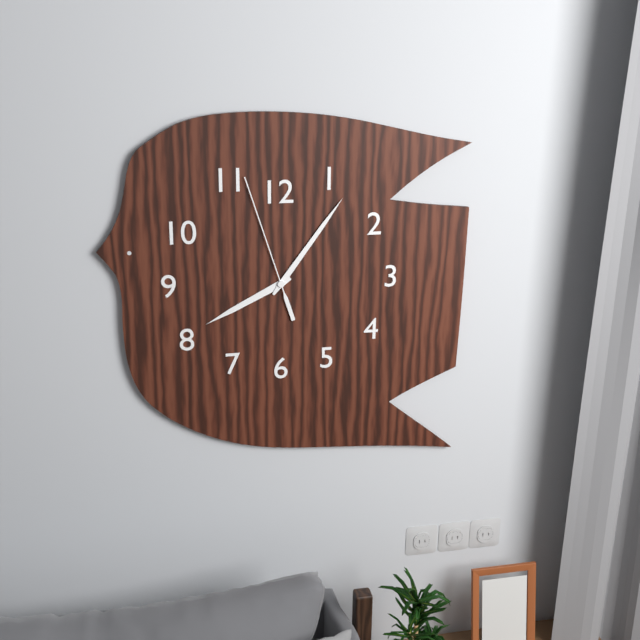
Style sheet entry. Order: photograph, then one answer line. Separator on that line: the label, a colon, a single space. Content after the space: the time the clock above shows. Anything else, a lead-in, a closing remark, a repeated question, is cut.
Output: 8:06:57
